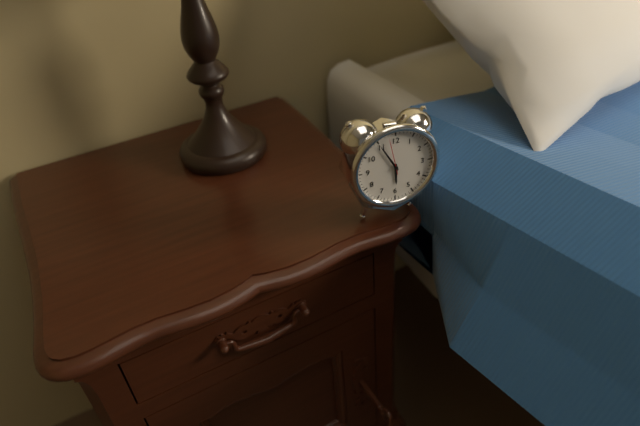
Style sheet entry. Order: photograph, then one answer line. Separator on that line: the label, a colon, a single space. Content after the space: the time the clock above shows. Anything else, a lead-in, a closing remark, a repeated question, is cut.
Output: 5:55
